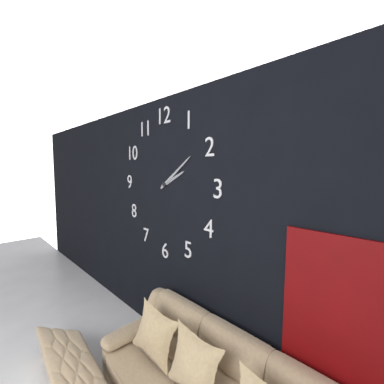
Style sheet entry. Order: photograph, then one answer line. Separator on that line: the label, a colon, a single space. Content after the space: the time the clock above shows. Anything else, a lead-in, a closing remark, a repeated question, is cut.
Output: 2:09
